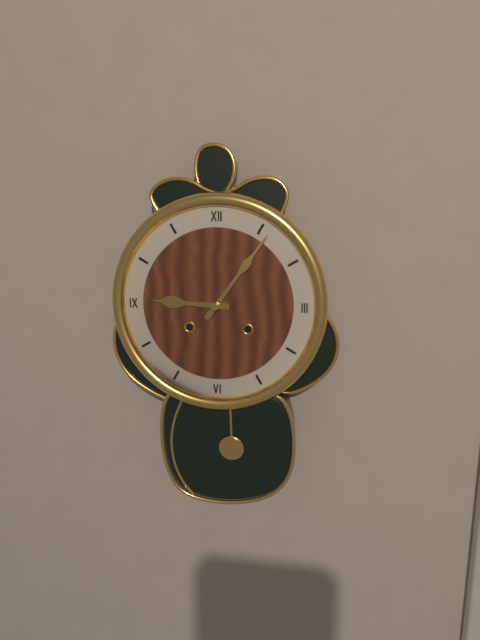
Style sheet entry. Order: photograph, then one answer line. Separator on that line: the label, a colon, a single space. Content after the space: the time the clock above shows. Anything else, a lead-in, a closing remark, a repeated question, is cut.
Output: 9:06
